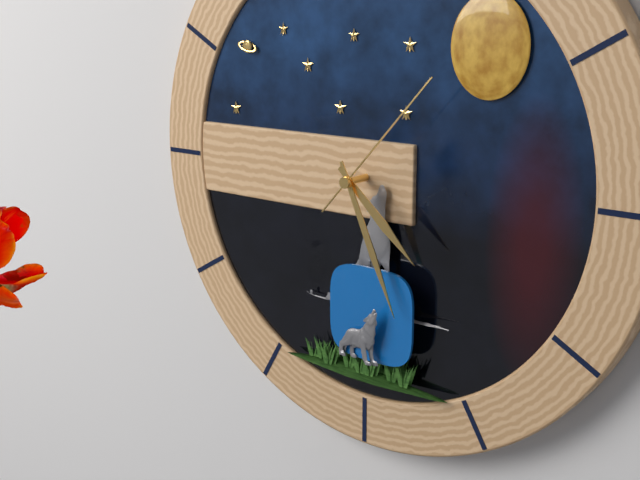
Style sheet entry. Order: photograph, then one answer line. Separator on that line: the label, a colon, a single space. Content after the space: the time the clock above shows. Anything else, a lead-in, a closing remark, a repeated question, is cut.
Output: 4:26:07
